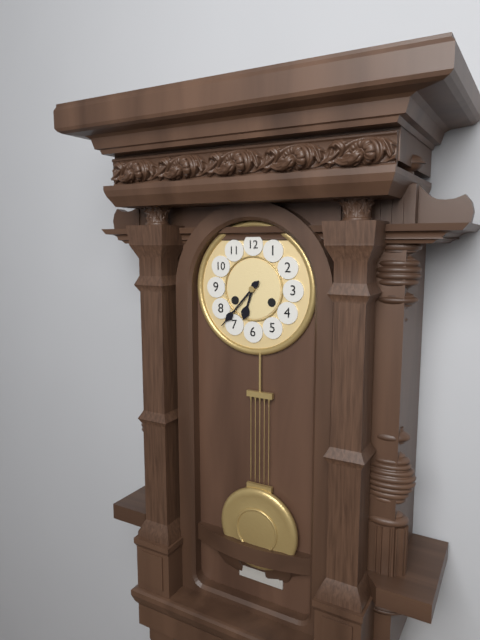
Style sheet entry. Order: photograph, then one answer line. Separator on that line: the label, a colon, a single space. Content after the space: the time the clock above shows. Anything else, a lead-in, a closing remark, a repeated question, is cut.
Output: 6:37
